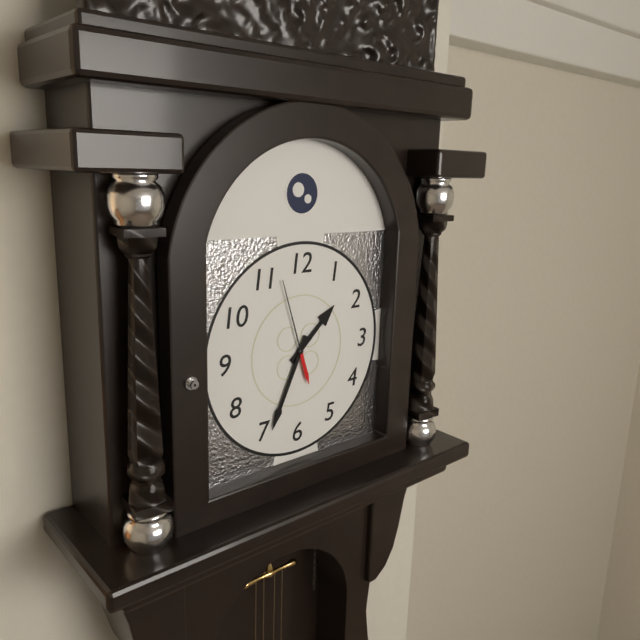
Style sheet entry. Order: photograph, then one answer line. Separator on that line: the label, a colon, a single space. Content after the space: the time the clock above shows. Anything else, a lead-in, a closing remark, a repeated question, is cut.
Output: 1:34:57
